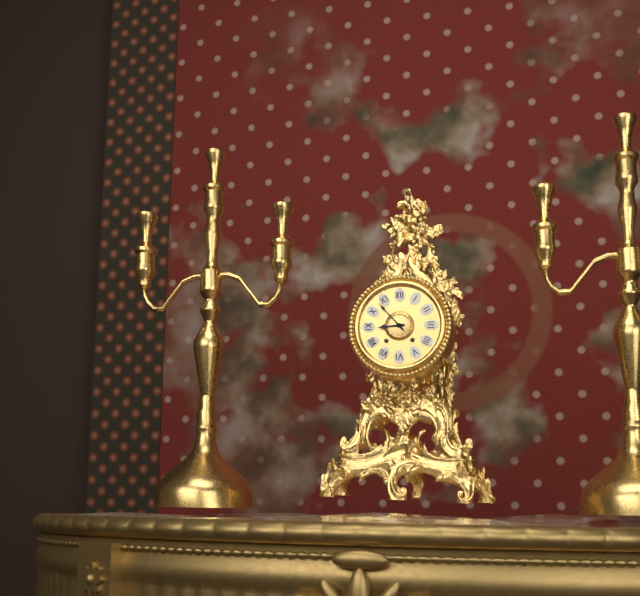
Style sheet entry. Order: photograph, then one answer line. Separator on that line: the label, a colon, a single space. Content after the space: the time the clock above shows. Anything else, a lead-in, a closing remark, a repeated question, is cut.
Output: 8:53
